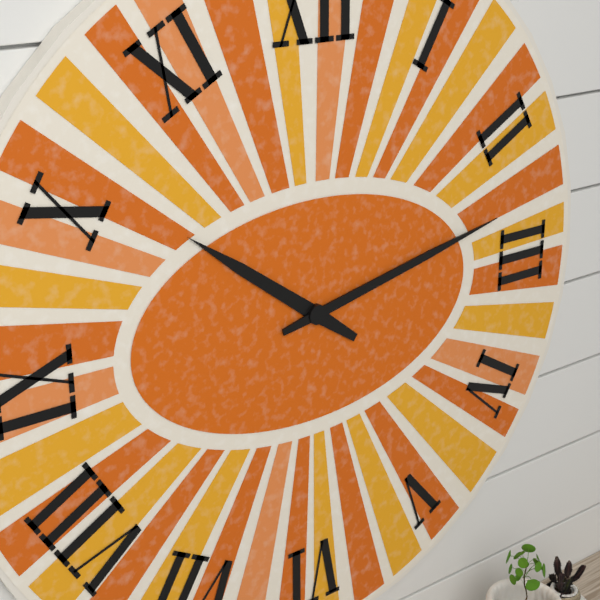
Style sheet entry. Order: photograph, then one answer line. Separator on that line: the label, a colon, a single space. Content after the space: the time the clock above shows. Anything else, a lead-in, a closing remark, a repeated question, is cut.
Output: 10:13
